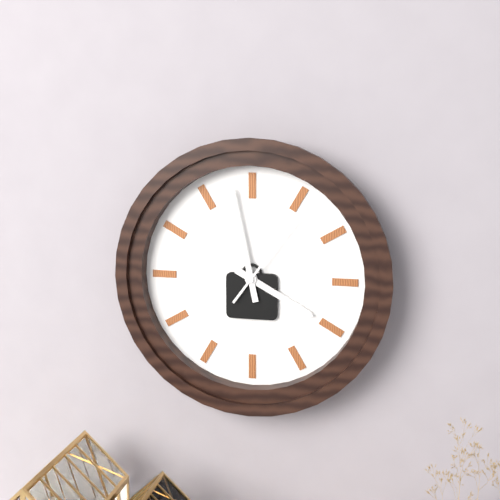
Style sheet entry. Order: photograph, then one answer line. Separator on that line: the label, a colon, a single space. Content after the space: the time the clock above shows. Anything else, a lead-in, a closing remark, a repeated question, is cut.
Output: 3:58:06
